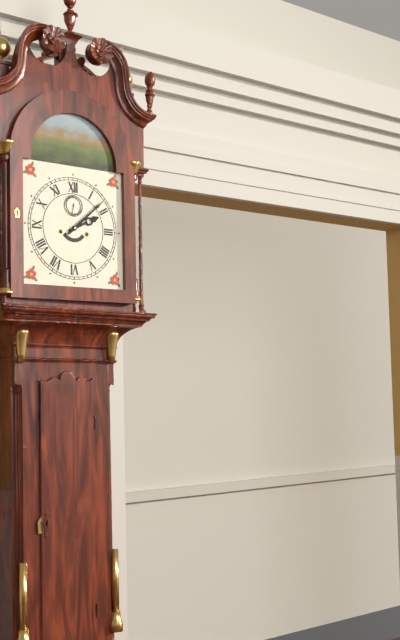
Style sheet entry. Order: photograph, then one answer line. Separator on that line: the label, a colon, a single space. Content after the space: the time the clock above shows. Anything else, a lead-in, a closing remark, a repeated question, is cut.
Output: 2:08
